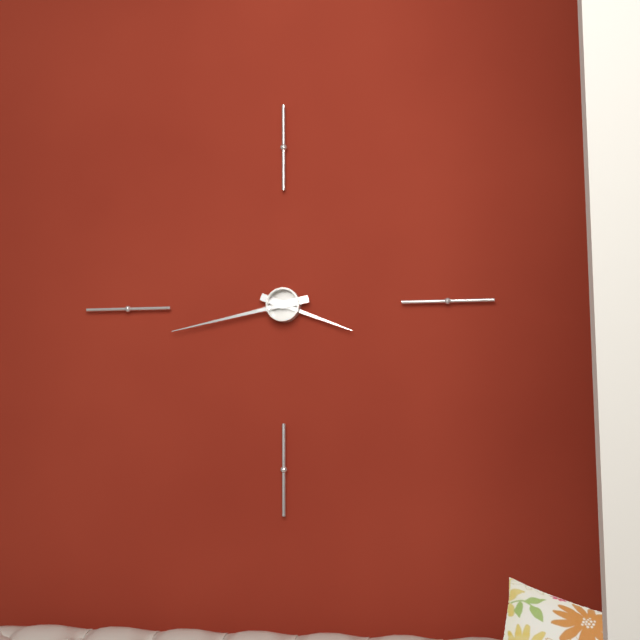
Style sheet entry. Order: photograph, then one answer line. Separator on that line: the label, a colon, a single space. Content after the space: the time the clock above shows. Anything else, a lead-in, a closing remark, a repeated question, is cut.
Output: 3:43
